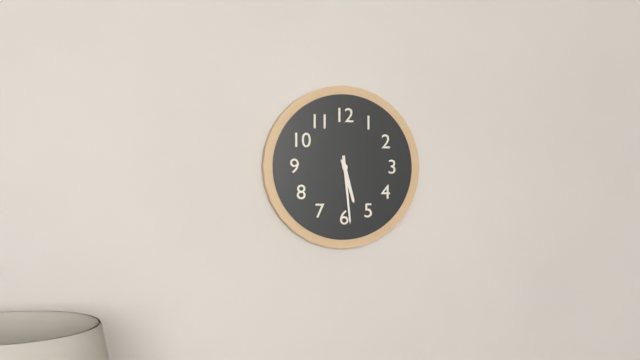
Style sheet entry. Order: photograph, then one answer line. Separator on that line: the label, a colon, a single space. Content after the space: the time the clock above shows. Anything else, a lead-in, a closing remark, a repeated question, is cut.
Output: 5:29
